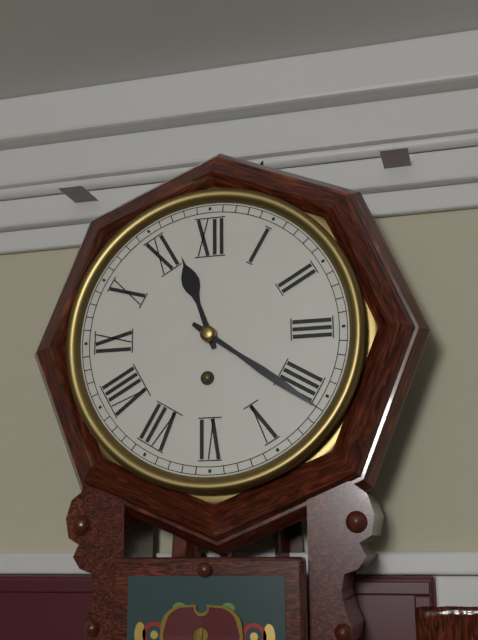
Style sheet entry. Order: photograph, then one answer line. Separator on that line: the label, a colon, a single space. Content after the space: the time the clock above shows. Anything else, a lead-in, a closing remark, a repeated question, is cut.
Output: 11:21
